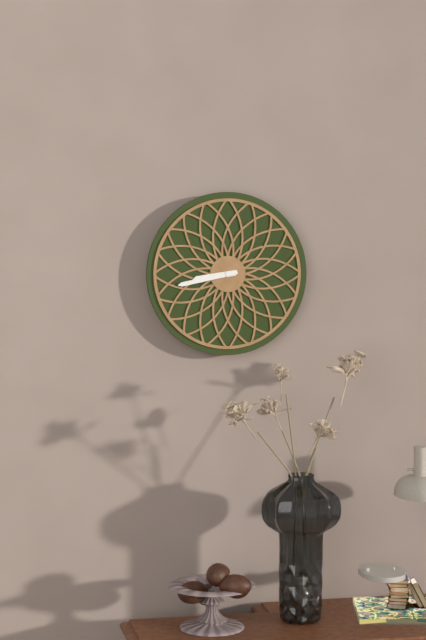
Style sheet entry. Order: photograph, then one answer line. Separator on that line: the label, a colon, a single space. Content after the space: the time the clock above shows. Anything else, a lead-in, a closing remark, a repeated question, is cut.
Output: 8:43
